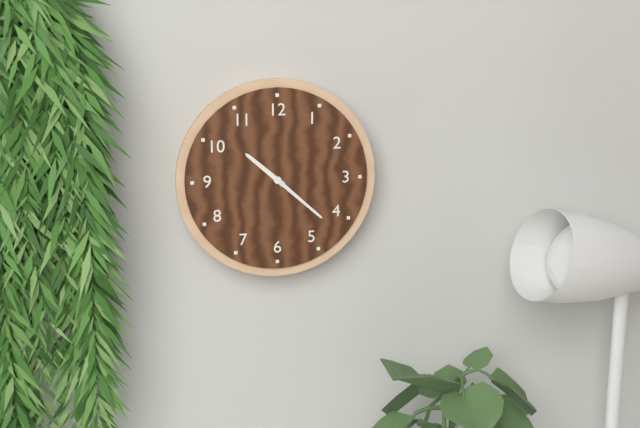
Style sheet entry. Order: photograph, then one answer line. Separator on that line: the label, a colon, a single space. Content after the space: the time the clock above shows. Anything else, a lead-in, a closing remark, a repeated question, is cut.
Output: 10:22
